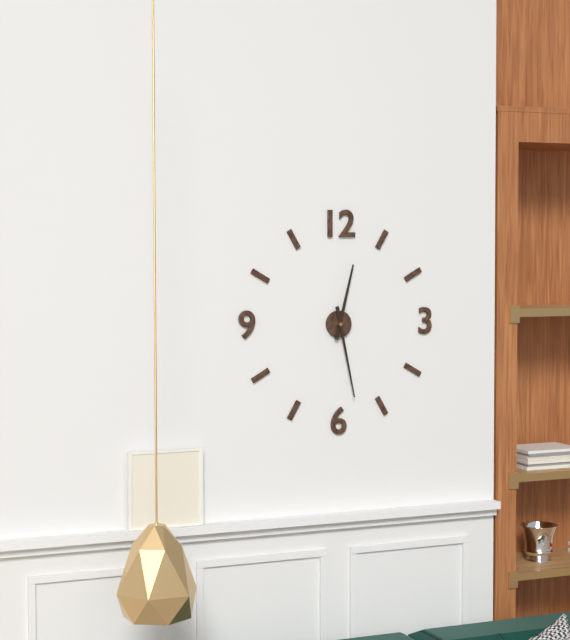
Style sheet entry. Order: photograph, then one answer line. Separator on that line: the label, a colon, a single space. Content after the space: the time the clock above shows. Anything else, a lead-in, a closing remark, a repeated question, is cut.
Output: 12:28
